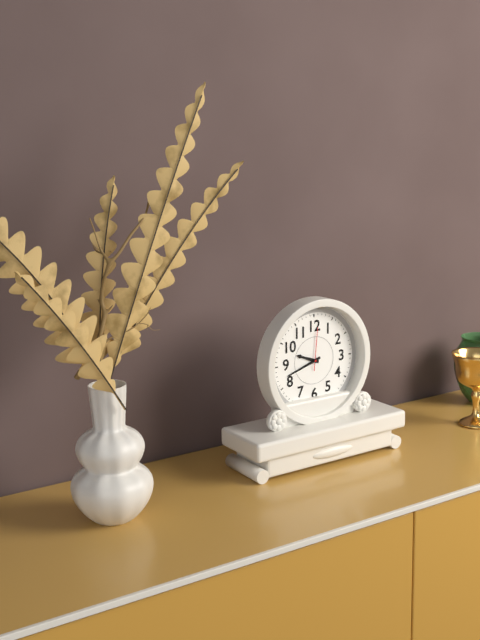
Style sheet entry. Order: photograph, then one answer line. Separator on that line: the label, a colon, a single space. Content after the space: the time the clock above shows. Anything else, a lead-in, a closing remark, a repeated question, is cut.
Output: 9:42
